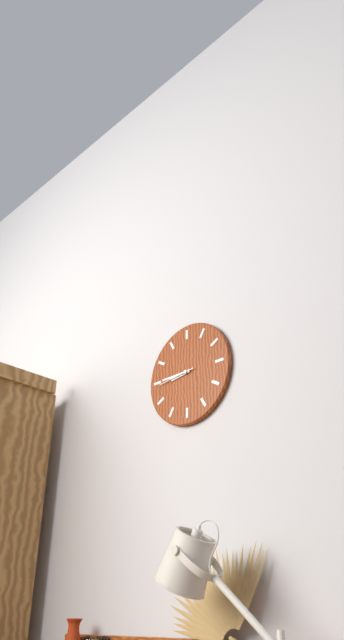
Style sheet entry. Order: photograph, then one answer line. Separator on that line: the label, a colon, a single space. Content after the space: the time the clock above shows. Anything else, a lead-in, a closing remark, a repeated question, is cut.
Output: 8:45
